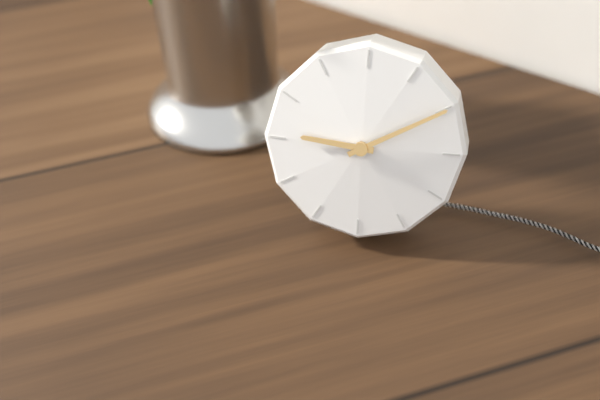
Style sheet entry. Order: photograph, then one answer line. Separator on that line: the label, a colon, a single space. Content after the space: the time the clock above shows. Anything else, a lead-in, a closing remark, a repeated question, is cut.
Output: 9:10
